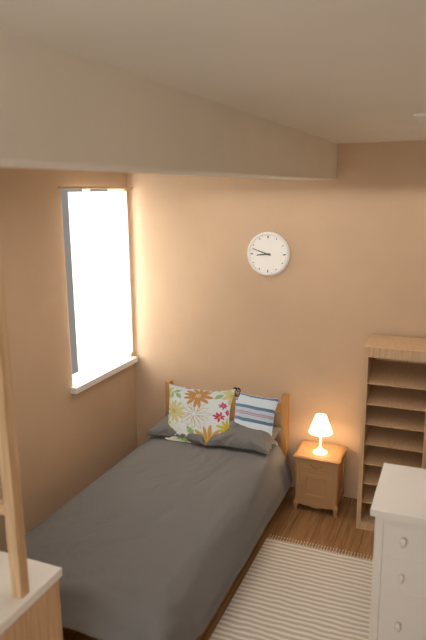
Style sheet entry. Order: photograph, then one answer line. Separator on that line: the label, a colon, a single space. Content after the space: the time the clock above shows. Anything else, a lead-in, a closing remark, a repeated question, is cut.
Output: 8:48
